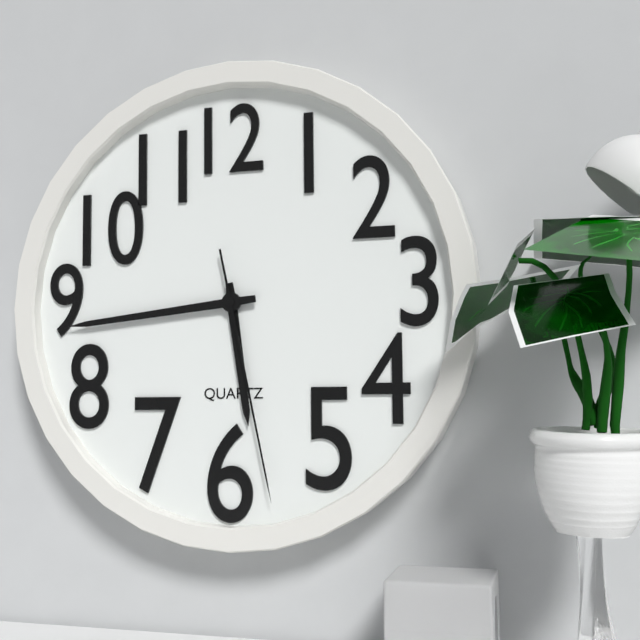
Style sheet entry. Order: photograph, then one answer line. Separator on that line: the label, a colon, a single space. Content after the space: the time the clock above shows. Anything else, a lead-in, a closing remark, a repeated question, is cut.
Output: 5:44:28
